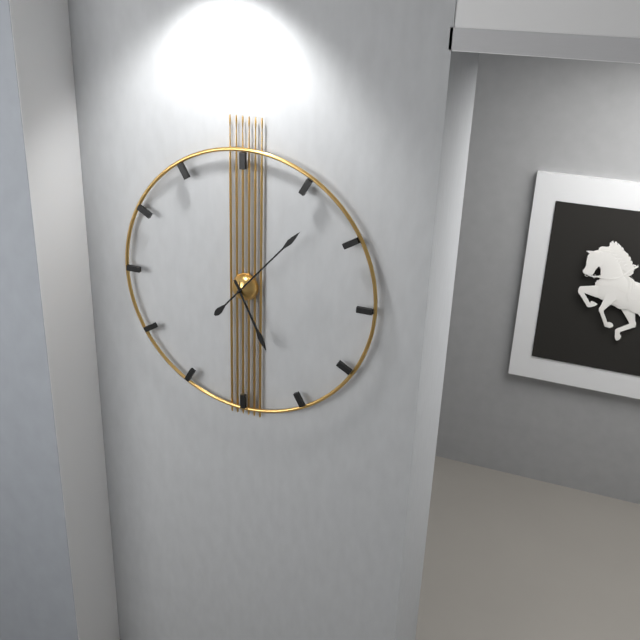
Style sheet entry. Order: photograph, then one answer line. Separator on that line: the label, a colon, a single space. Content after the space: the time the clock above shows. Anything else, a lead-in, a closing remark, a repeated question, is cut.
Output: 5:07
